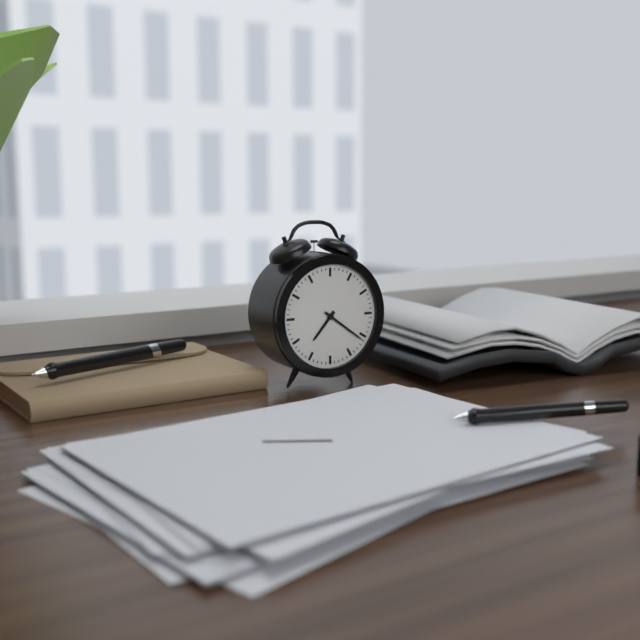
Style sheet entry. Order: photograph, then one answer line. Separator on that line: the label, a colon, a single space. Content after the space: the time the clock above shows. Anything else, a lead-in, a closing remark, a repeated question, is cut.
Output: 7:21
